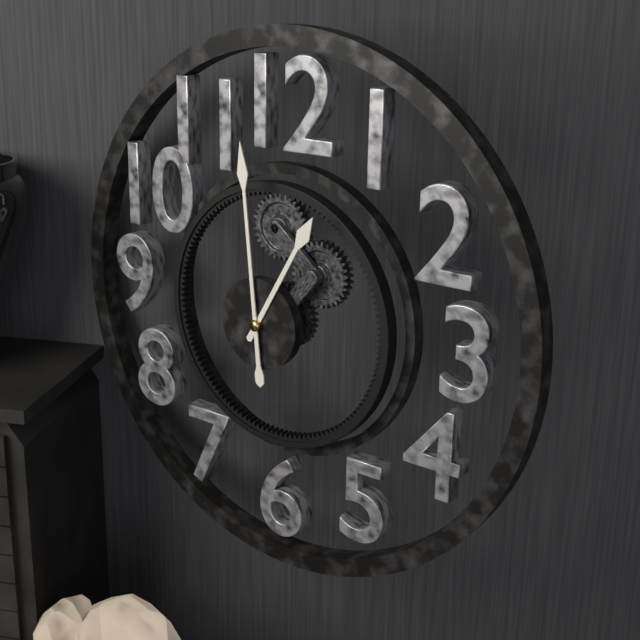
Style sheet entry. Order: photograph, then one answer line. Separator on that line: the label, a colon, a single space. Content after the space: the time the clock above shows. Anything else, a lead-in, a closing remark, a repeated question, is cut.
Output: 12:59
